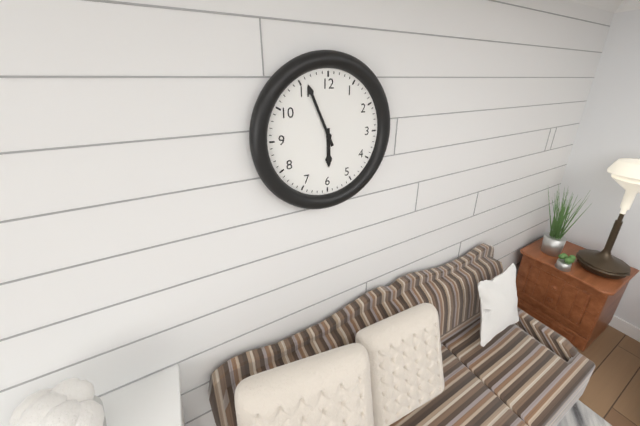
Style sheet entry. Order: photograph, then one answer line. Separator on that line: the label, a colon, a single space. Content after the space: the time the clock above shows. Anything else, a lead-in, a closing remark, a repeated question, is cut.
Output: 5:56
